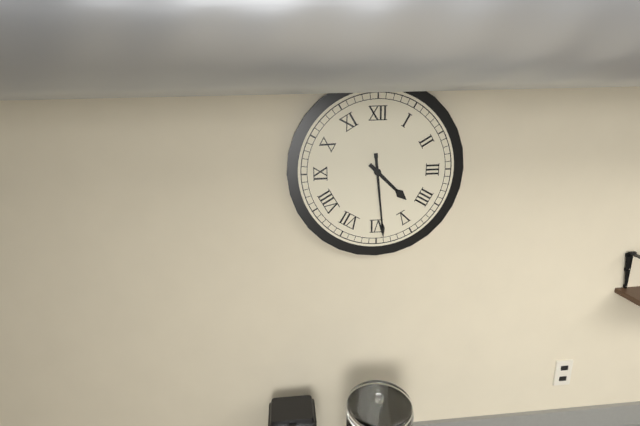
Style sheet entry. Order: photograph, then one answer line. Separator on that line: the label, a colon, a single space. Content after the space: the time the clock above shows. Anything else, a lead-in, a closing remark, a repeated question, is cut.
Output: 4:29
